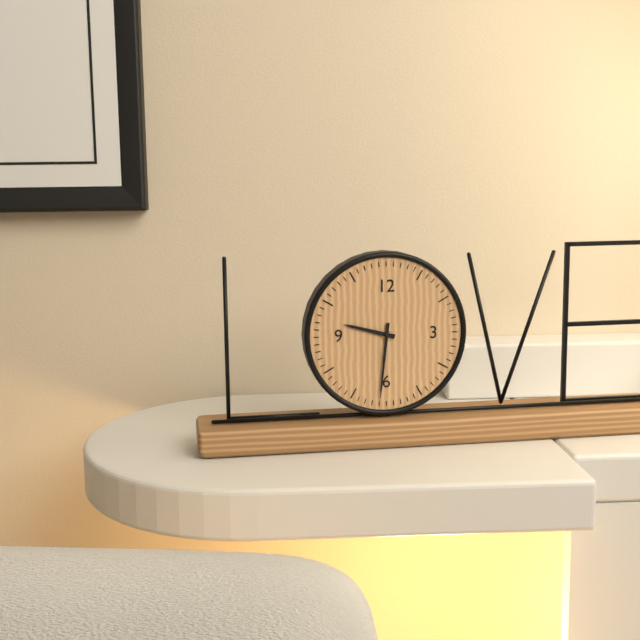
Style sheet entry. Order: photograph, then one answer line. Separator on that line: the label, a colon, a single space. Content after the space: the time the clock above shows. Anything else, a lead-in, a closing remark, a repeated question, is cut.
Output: 9:31
